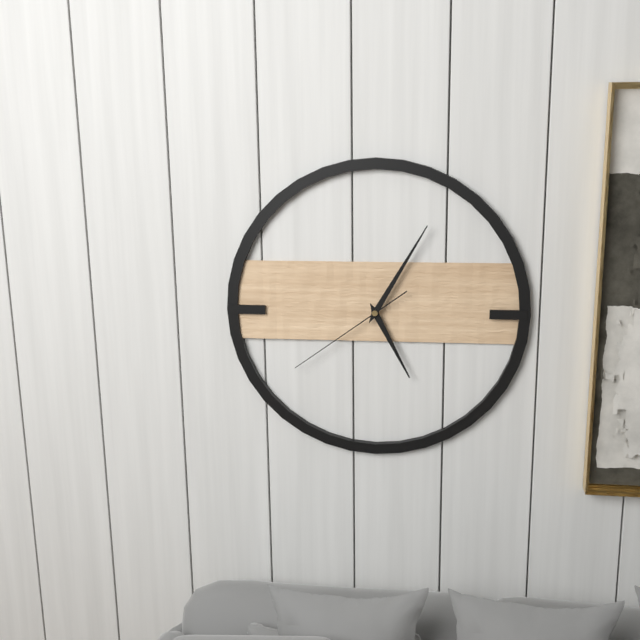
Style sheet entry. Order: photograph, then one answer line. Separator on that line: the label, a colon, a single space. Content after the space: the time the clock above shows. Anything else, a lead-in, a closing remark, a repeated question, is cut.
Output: 5:05:39
